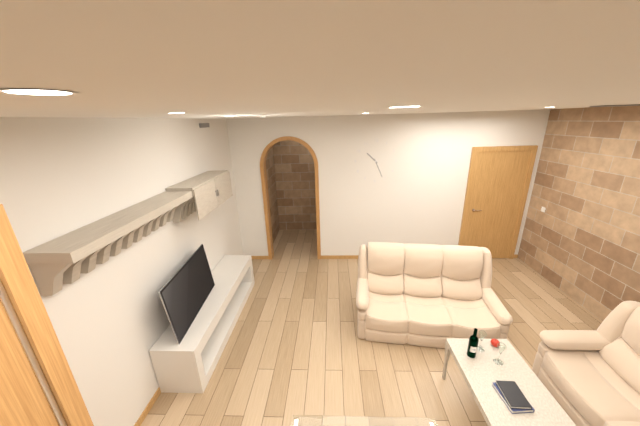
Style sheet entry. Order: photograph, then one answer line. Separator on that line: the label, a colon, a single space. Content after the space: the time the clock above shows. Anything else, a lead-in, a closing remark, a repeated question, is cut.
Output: 10:26
